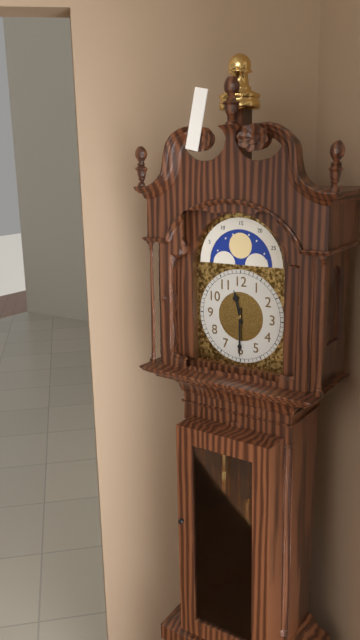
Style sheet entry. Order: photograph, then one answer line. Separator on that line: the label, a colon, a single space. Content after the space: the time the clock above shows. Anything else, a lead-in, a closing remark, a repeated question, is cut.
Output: 11:30
